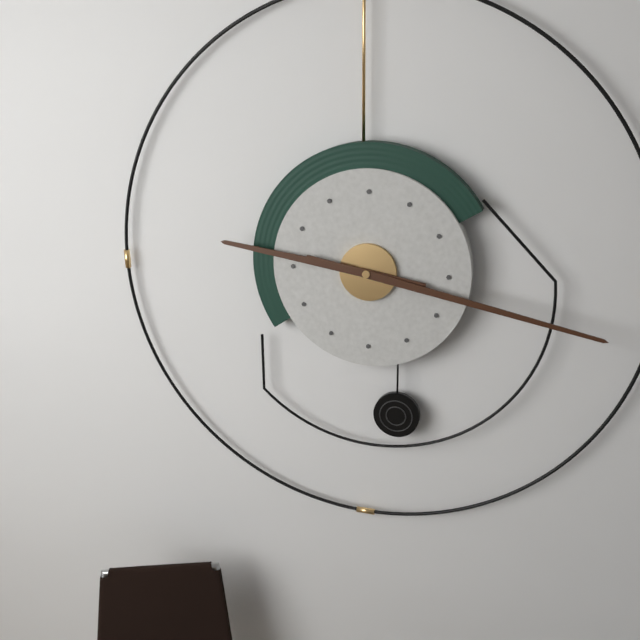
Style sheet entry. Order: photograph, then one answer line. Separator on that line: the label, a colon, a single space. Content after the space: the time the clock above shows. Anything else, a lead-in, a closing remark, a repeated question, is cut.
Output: 9:17
